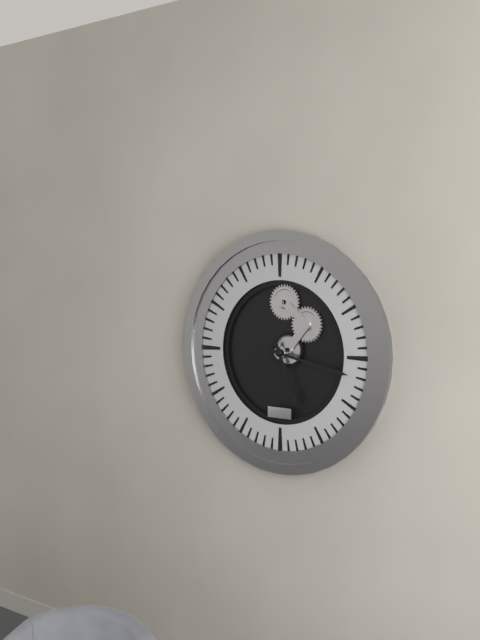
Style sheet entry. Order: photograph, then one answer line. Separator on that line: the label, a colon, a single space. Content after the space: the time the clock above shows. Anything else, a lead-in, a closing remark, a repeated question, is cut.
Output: 5:17
